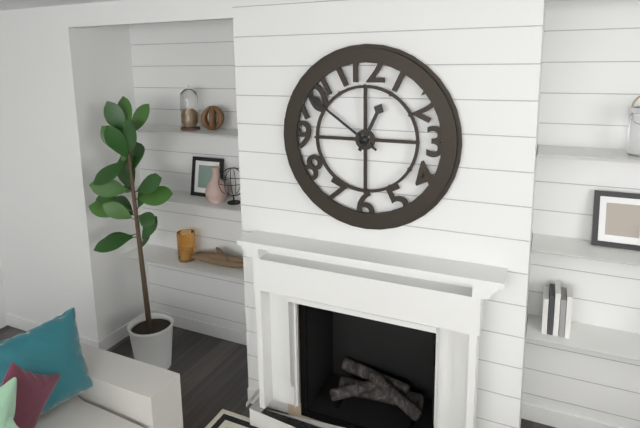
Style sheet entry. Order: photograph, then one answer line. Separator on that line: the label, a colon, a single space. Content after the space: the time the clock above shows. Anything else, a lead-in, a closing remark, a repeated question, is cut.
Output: 12:51
